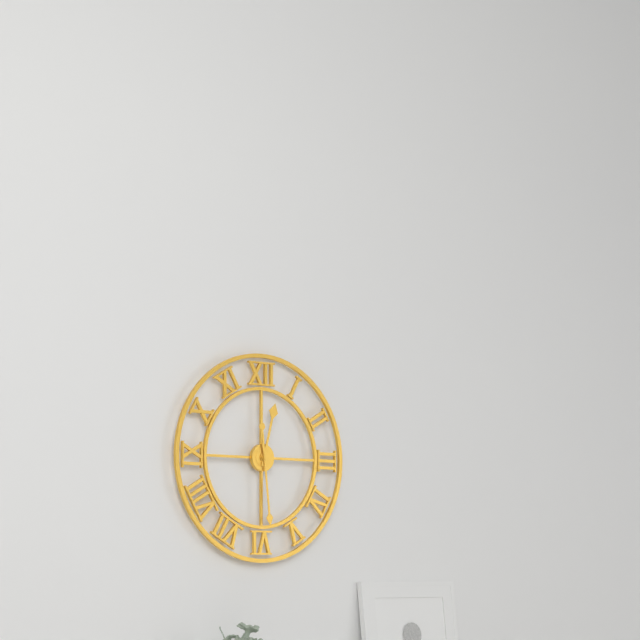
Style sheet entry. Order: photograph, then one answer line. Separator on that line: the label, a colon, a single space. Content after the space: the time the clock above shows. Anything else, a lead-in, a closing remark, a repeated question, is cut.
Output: 12:29
